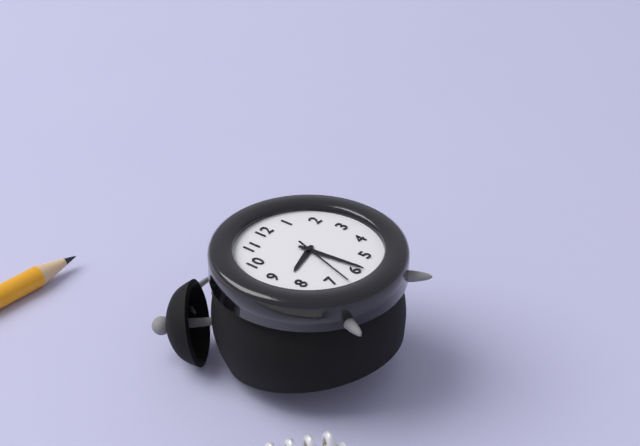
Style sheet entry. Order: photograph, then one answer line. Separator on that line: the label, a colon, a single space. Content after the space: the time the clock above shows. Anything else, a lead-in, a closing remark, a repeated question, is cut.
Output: 8:29:33
